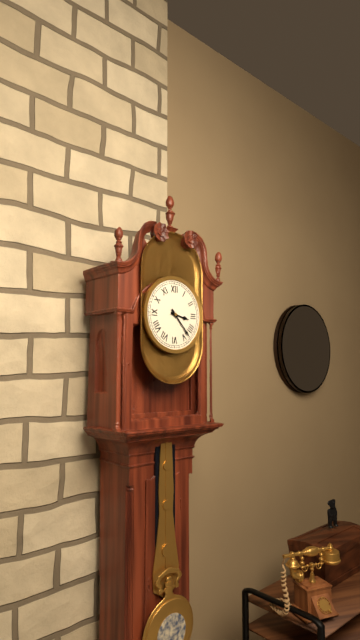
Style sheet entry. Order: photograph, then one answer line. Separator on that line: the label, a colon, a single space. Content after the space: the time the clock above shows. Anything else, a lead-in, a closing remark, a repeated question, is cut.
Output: 3:23
